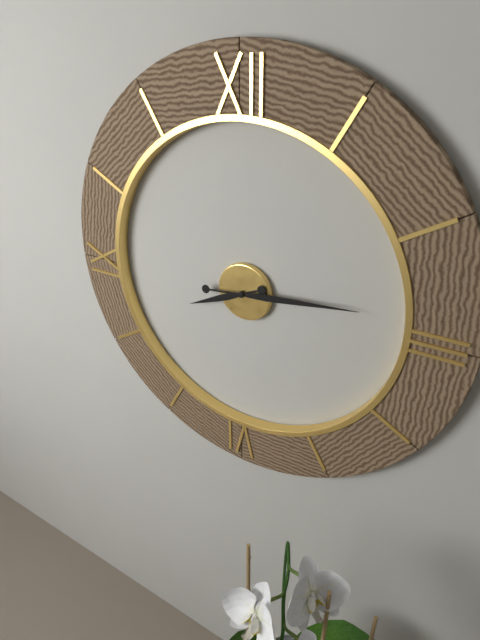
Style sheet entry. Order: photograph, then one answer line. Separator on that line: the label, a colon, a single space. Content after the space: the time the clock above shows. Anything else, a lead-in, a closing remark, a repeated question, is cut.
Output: 8:14
